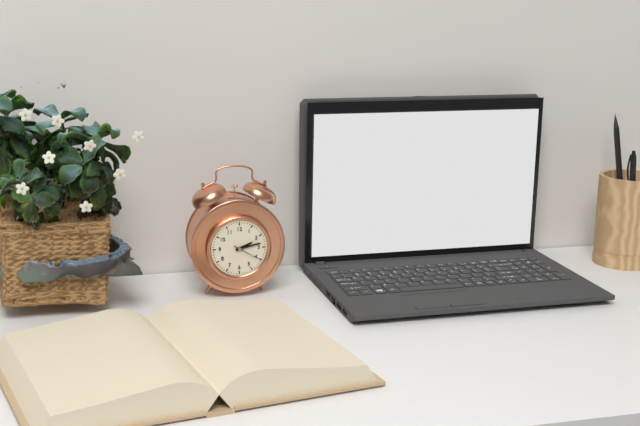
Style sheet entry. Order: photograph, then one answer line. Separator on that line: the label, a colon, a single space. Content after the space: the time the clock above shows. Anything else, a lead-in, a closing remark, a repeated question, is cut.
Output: 2:13
